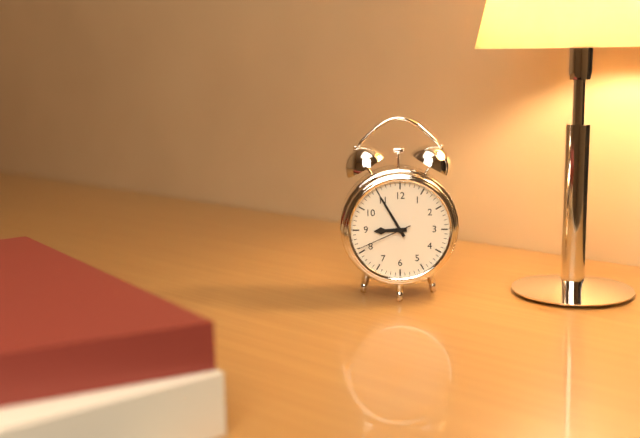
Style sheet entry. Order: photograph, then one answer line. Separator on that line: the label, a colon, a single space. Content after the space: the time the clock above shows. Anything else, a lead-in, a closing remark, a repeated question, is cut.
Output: 8:55:41
